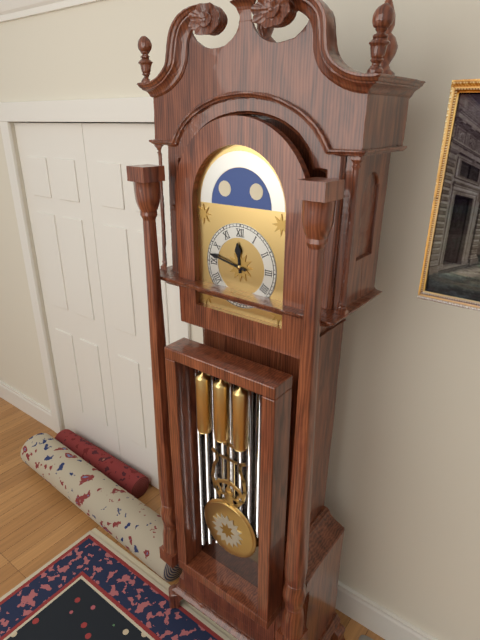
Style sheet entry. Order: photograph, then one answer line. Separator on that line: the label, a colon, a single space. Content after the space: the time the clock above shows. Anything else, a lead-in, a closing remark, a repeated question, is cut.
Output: 11:47
